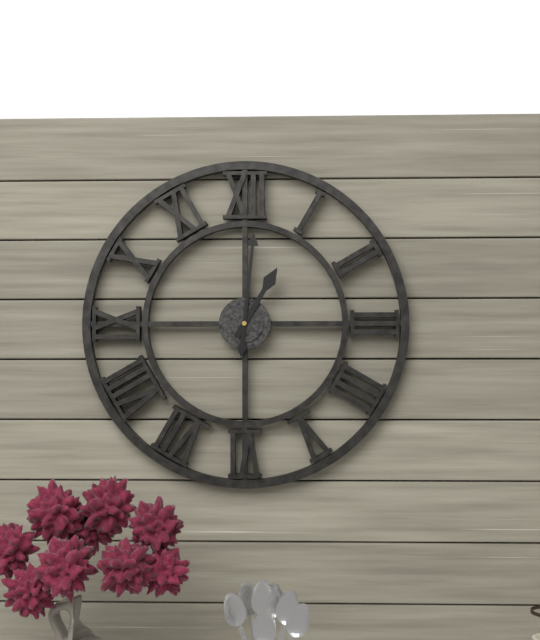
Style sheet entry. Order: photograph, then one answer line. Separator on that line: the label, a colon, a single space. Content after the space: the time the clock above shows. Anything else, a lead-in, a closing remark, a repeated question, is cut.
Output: 1:01
